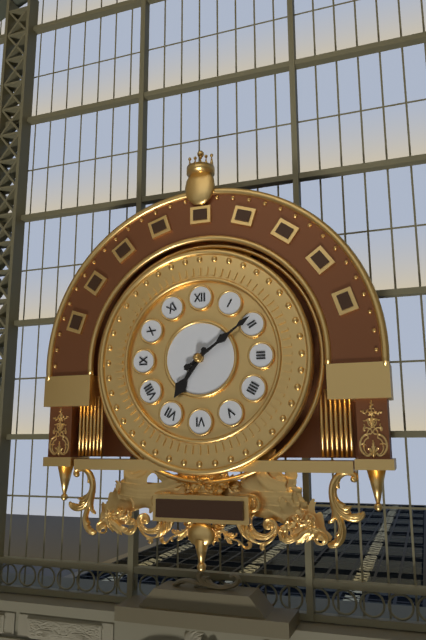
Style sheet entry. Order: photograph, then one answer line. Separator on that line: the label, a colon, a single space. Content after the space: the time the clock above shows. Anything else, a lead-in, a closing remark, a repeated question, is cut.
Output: 7:09
